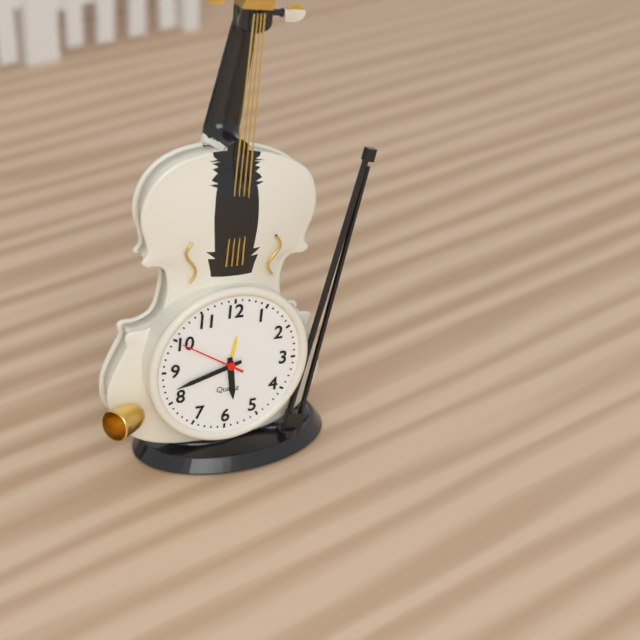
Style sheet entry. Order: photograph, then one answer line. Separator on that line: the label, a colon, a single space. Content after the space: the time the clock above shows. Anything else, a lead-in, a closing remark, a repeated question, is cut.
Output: 5:42:50
